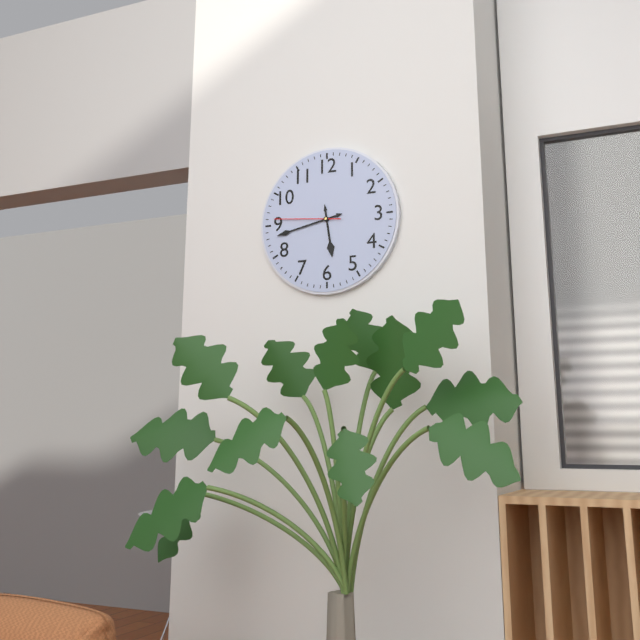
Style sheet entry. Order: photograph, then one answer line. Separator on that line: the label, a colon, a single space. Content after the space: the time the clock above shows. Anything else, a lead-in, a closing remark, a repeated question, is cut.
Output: 5:43:46
